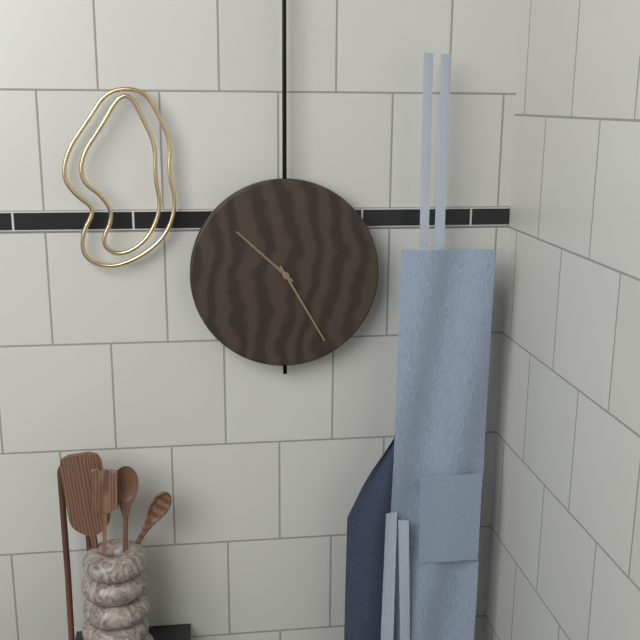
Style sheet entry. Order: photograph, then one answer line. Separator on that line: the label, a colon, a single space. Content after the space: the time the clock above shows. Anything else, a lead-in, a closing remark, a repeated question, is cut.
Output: 10:25
